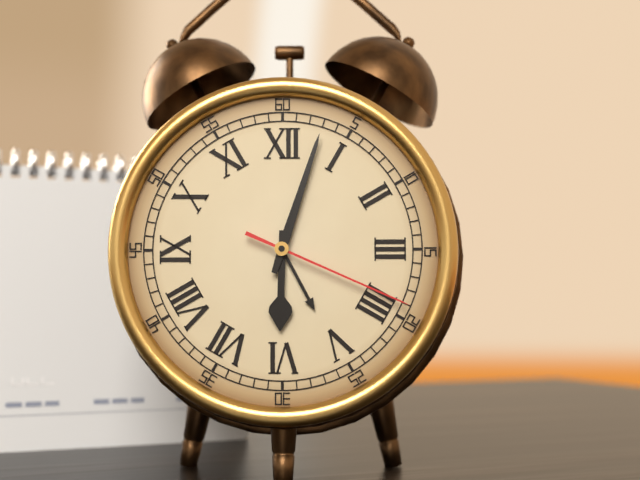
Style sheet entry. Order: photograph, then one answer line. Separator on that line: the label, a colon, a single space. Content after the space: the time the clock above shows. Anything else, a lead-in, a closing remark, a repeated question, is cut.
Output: 6:03:19
